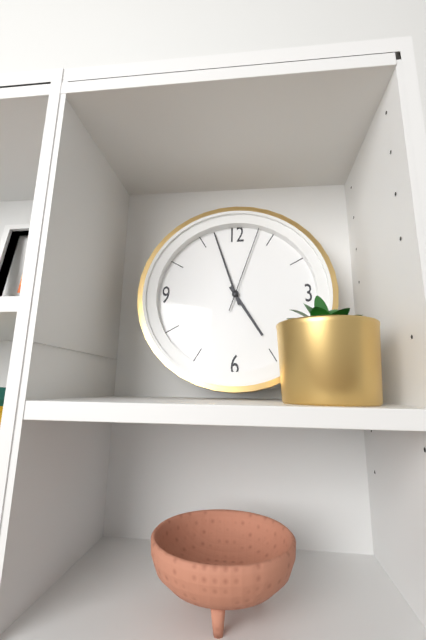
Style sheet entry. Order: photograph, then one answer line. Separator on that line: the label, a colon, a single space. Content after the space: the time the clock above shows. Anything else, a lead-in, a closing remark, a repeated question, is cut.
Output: 4:57:03
